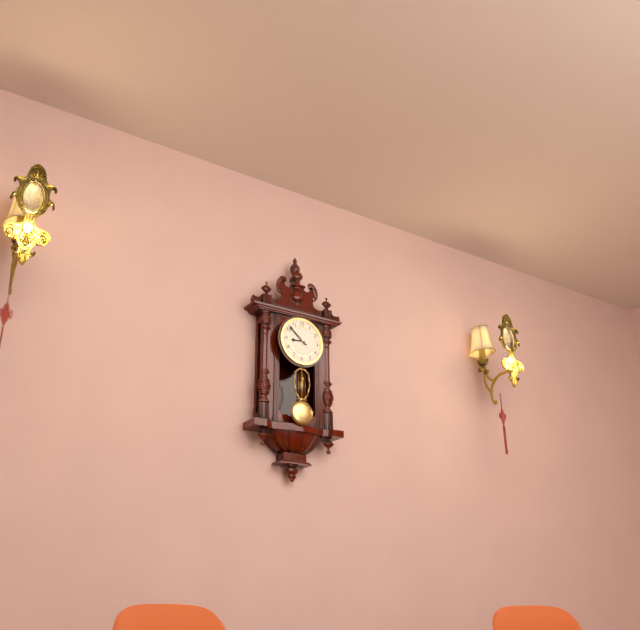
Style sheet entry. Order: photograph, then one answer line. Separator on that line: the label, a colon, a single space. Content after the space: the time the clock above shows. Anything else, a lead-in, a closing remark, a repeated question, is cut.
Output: 8:52
